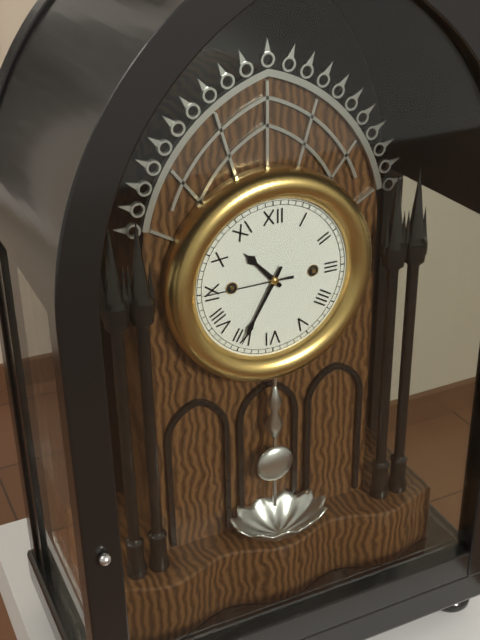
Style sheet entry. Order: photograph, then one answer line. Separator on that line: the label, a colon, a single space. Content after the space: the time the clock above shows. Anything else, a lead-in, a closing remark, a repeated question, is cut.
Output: 10:35:45
